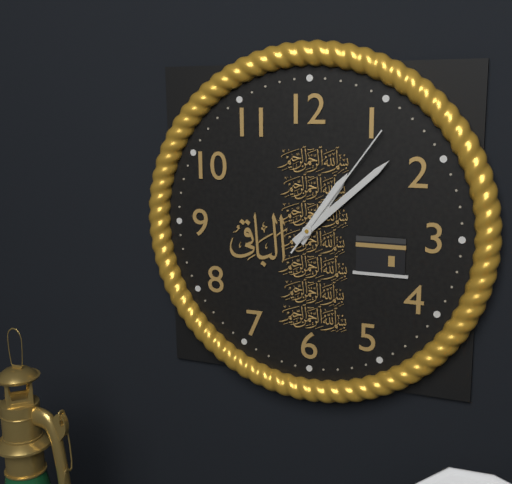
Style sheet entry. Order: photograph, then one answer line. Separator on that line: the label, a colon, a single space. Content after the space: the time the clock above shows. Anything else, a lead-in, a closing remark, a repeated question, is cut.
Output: 1:08:06
